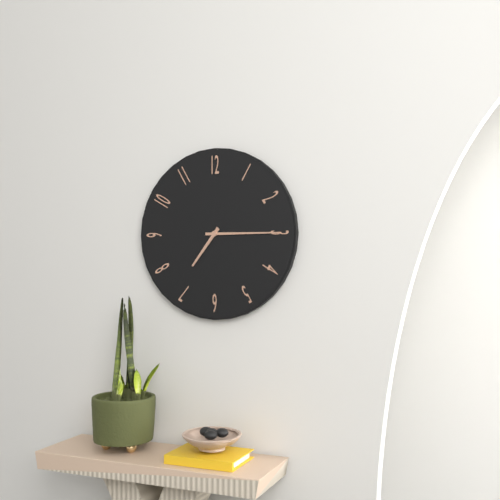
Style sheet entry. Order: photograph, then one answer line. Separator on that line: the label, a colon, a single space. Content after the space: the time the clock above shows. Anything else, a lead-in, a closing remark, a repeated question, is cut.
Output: 7:15
